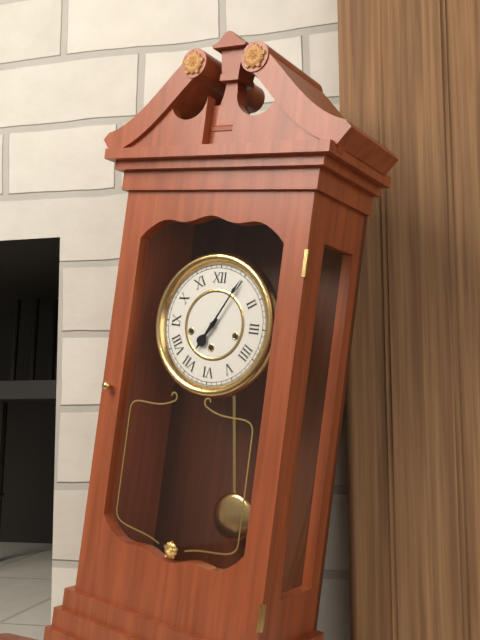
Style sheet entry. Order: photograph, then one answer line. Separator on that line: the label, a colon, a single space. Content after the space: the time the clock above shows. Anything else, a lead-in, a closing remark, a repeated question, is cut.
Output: 7:05
